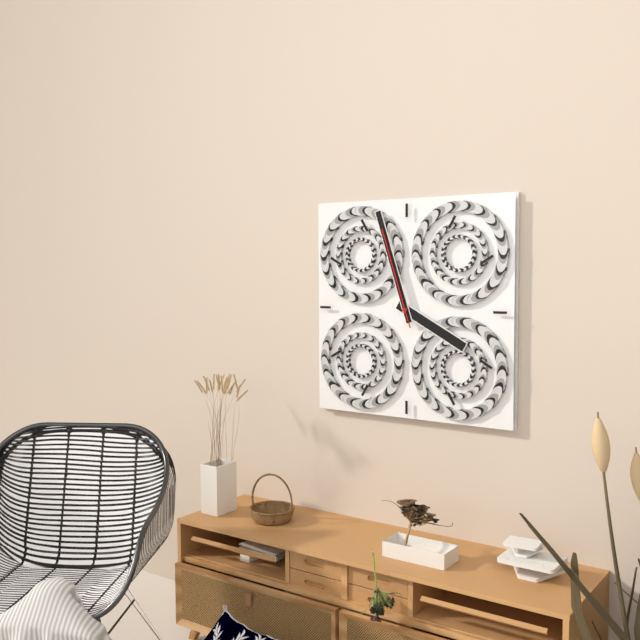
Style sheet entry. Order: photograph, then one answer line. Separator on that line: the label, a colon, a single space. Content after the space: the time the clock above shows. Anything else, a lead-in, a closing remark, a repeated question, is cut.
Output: 3:57:57
